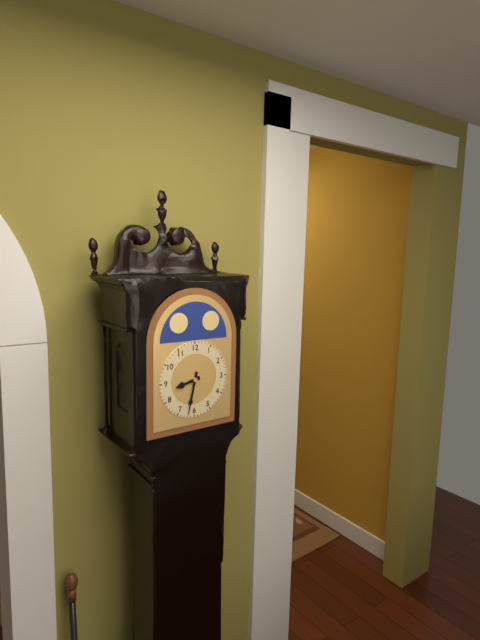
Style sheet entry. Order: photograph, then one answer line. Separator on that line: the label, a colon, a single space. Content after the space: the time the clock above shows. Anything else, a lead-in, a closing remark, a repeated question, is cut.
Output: 8:32
